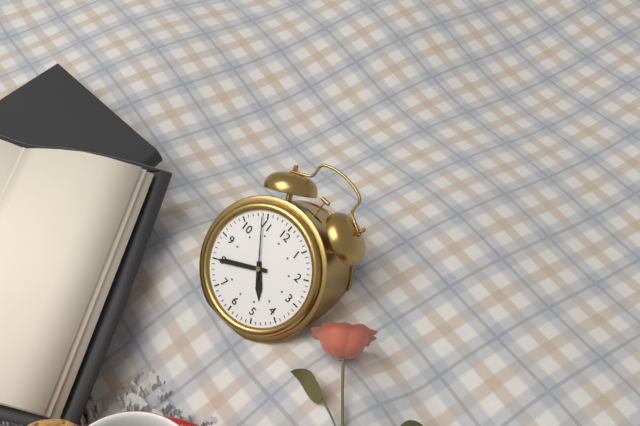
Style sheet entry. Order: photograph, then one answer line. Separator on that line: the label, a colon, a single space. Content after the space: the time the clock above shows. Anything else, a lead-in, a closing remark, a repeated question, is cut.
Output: 4:40:54
